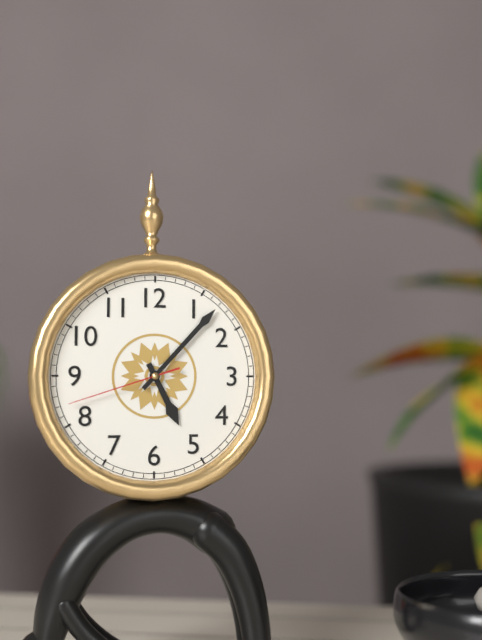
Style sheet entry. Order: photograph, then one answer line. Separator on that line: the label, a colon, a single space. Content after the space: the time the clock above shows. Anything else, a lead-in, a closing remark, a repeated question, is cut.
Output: 5:07:42
